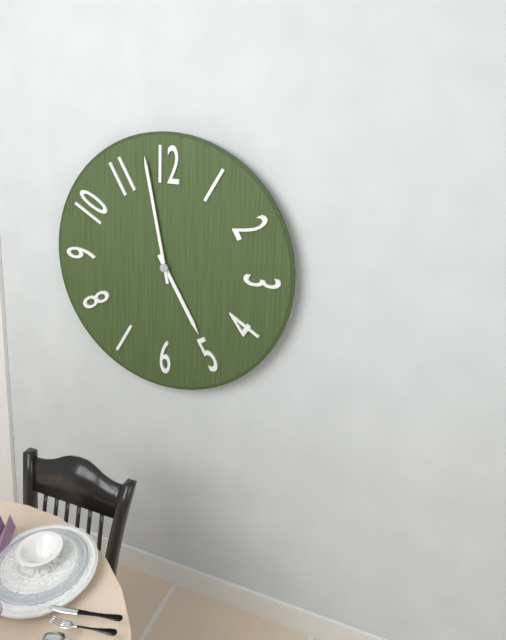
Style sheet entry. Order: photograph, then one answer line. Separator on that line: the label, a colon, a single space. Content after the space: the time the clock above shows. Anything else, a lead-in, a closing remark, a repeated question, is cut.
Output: 4:58
